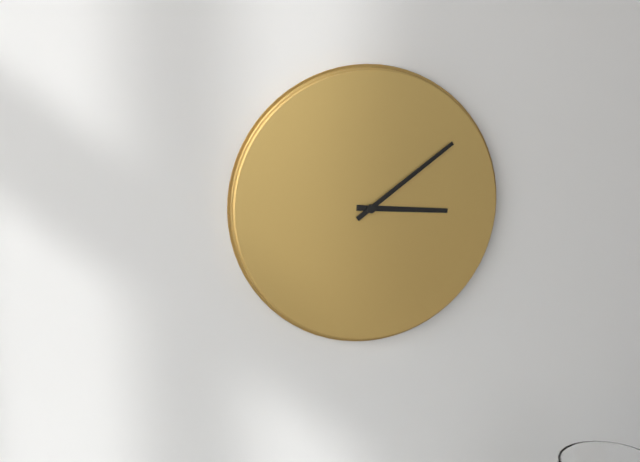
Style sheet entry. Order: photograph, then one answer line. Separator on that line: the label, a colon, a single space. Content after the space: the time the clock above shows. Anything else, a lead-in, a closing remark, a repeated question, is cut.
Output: 3:09
